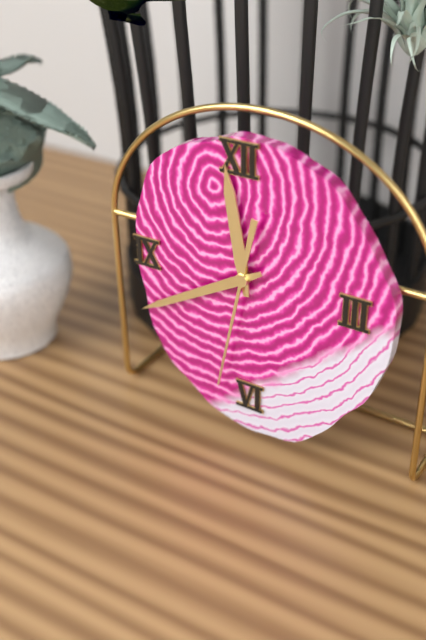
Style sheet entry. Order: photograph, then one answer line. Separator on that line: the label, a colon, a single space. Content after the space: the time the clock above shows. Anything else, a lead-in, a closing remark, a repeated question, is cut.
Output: 11:40:32
